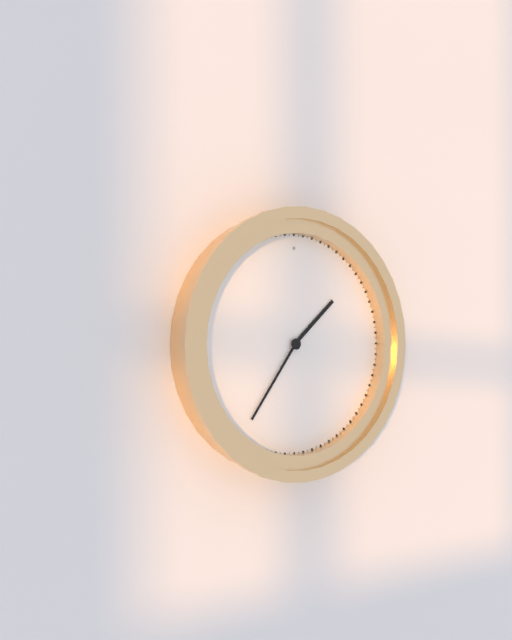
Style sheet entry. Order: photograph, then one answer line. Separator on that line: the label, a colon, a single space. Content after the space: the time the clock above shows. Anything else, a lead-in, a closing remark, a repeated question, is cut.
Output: 1:36
